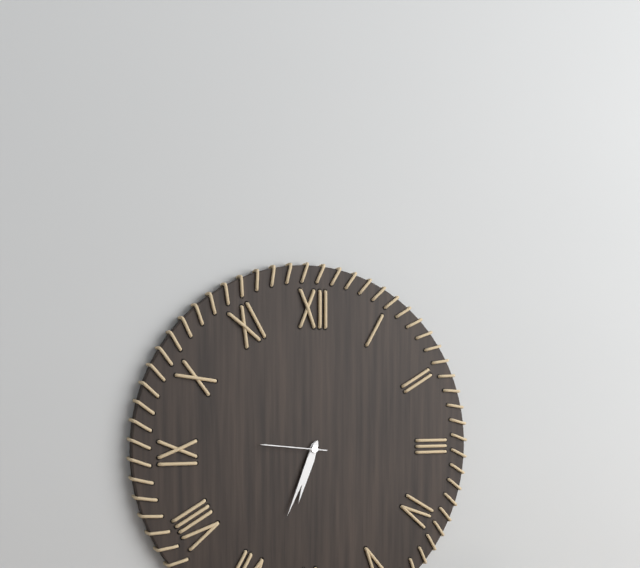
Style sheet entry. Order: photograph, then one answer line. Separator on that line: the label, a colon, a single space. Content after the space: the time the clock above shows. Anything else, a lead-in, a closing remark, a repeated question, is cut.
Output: 6:34:46
